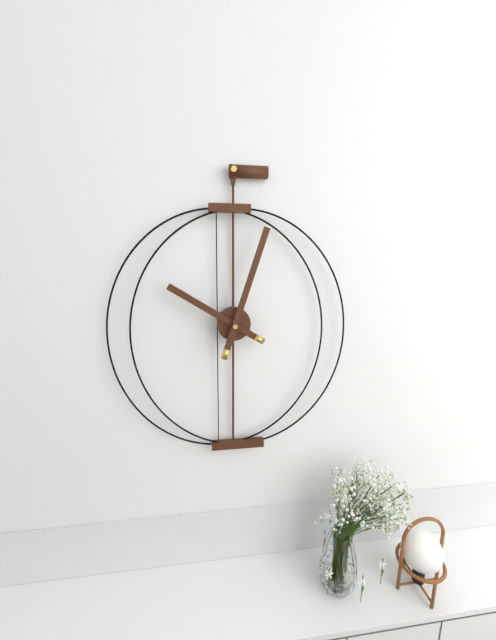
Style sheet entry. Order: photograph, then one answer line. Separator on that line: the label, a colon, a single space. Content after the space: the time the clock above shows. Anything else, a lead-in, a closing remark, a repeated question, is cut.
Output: 10:03
